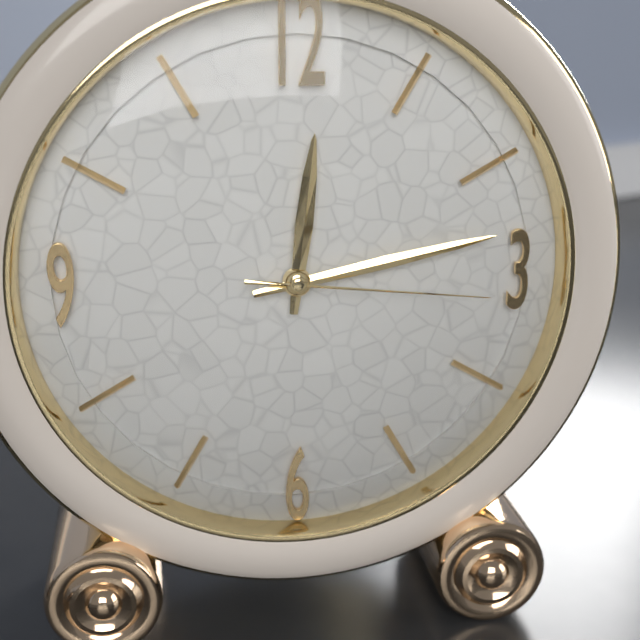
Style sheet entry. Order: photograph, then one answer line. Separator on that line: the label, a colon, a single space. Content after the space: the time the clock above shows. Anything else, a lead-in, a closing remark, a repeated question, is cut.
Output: 12:13:16
